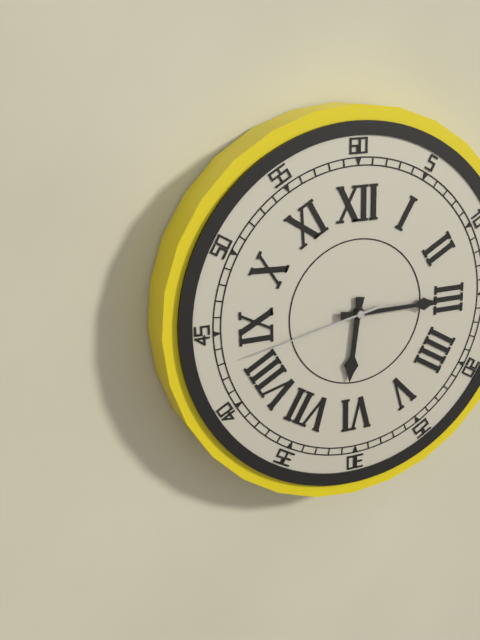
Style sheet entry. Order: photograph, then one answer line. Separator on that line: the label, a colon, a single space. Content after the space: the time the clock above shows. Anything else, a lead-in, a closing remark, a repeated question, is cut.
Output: 6:15:43
